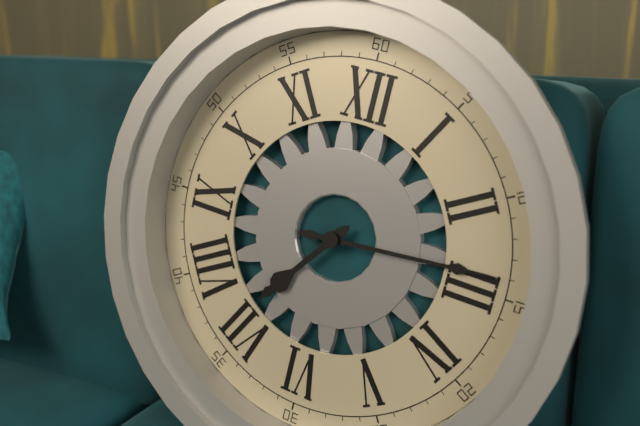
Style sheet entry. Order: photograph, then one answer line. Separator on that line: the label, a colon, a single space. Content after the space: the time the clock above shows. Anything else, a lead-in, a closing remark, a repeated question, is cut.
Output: 7:14
